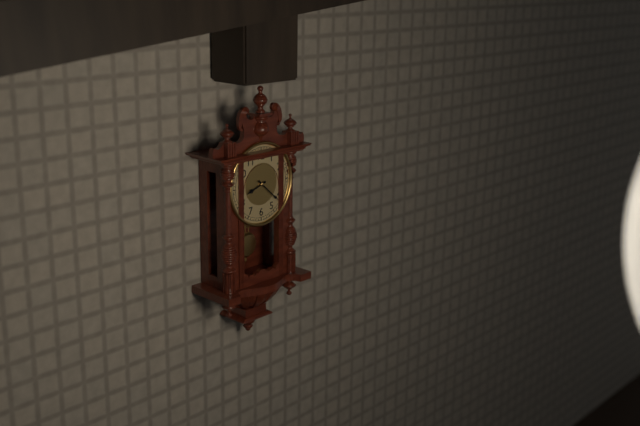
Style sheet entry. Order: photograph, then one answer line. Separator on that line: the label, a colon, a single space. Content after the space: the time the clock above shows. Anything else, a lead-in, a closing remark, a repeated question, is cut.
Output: 8:22
